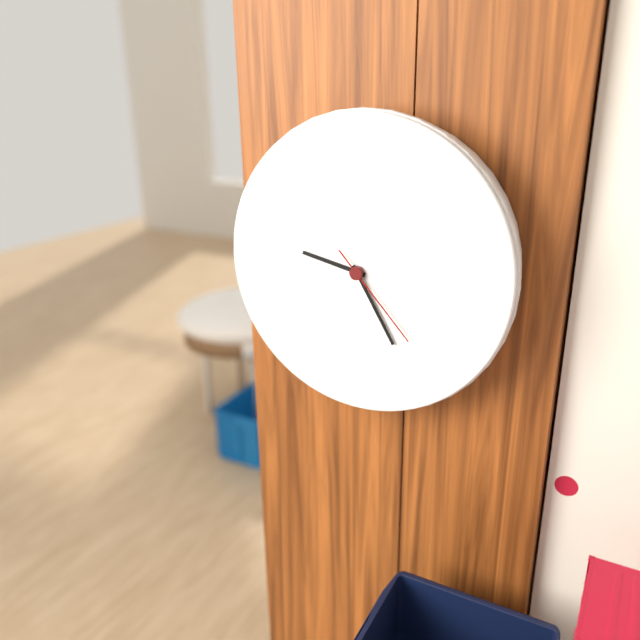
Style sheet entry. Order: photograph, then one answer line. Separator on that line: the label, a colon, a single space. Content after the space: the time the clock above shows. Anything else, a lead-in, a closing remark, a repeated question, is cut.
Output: 9:25:23
